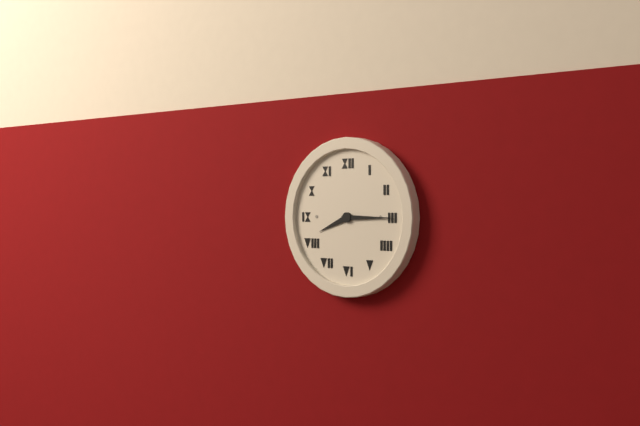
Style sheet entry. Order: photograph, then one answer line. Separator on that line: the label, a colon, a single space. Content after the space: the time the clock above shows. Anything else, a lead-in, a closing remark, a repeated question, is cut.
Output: 8:15
